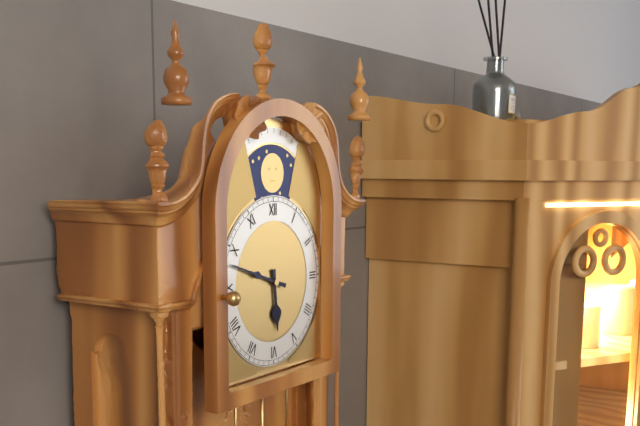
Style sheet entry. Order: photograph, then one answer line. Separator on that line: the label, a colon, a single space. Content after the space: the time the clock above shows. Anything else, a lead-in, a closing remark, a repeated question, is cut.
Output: 5:48
